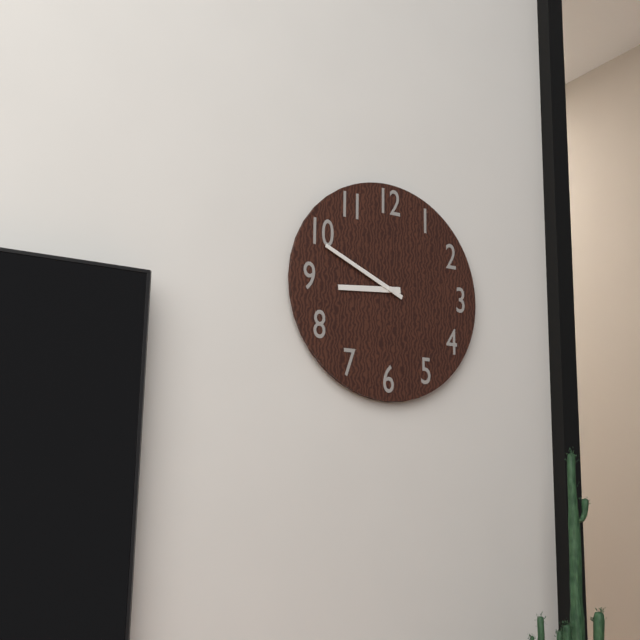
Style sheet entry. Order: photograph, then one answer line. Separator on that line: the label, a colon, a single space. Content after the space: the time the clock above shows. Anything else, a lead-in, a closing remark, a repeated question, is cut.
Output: 8:49
